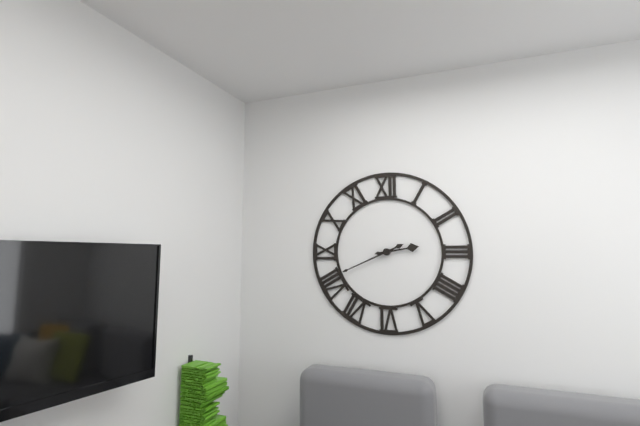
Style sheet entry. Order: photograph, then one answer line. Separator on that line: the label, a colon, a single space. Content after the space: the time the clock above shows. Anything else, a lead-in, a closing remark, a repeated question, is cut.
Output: 2:41
